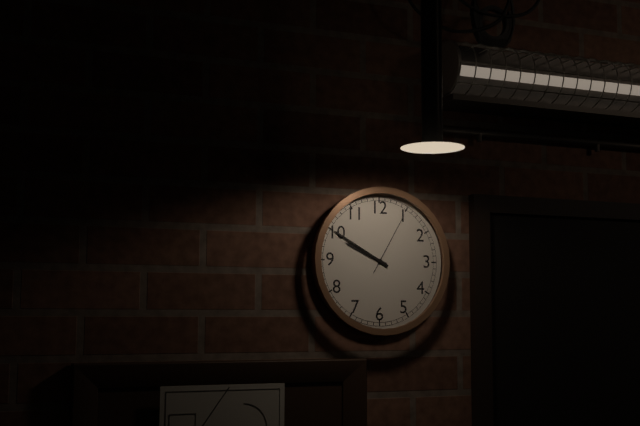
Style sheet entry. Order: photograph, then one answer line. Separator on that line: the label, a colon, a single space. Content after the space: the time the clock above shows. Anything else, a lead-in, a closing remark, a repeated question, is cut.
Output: 9:50:05
